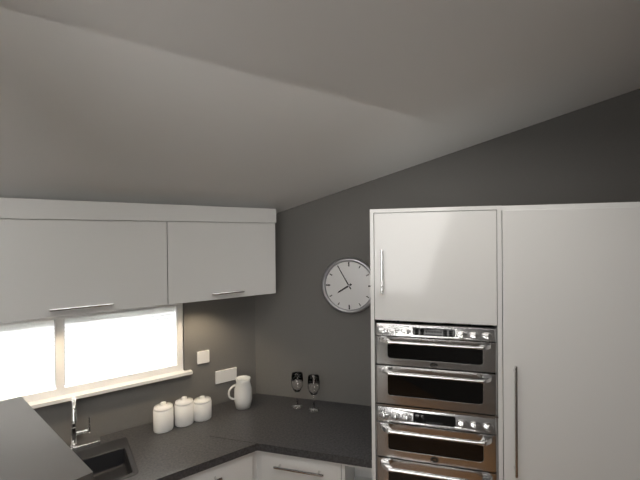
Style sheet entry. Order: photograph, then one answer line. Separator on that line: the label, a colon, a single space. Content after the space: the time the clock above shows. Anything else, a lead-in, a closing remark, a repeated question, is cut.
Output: 7:55
